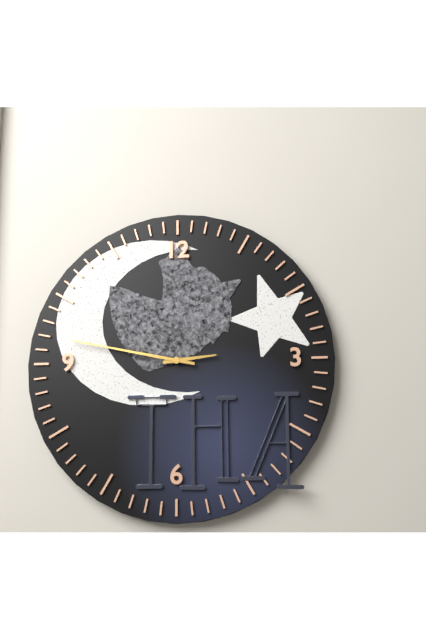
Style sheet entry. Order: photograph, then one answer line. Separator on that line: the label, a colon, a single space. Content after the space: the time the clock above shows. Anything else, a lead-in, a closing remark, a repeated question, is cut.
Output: 2:47
